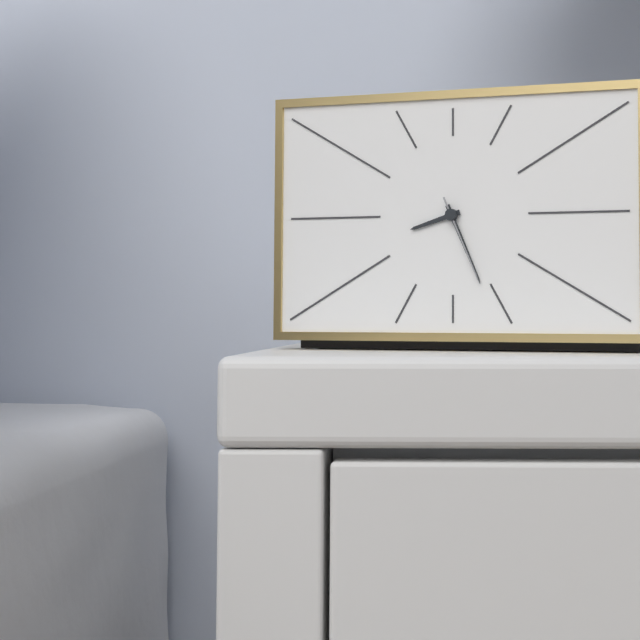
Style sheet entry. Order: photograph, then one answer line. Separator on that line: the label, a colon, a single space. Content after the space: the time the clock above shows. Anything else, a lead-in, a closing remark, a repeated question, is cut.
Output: 8:26:26
